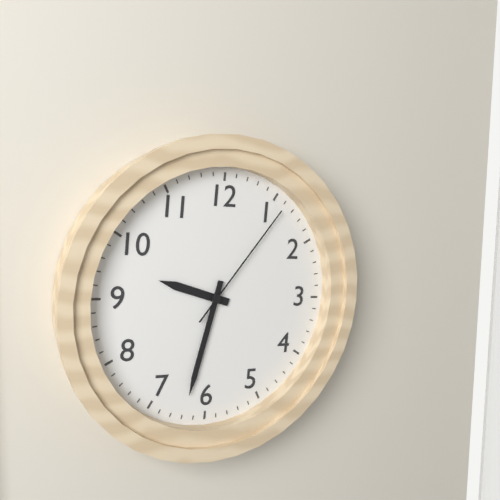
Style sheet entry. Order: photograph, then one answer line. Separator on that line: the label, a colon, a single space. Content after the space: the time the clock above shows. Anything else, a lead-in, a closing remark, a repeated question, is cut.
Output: 9:32:06
